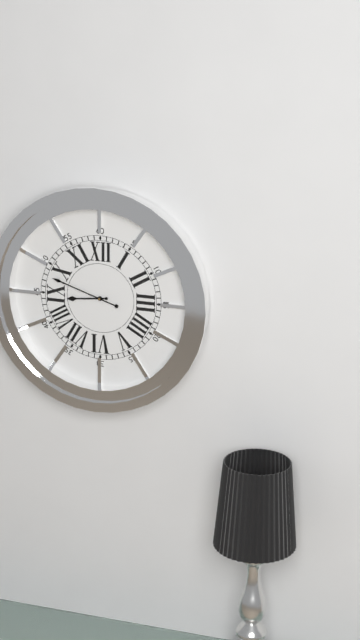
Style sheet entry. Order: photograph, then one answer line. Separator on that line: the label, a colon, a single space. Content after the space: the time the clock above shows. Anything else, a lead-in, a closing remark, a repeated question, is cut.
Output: 8:48
